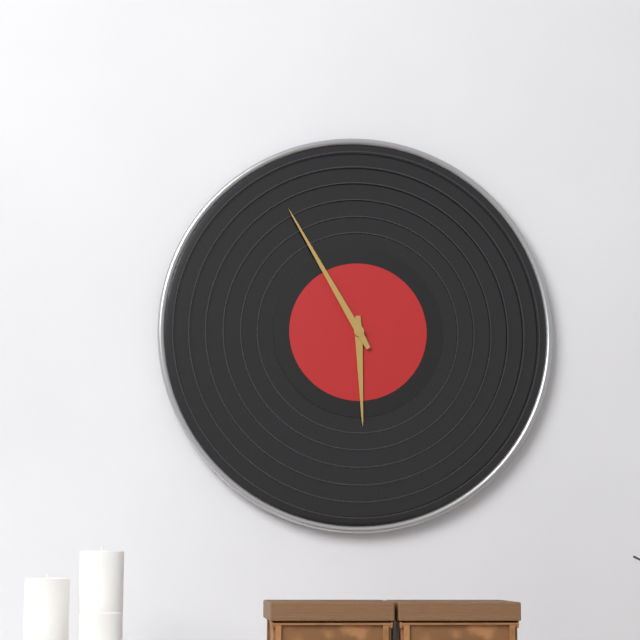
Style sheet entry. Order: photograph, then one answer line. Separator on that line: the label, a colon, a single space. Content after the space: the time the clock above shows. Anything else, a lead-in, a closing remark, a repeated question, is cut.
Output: 5:55
